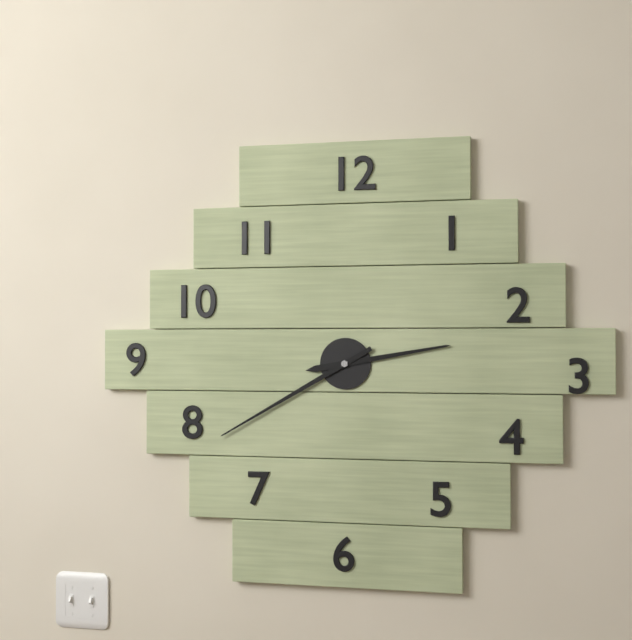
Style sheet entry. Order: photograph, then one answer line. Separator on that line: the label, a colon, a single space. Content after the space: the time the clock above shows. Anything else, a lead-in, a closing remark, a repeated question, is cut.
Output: 2:40
